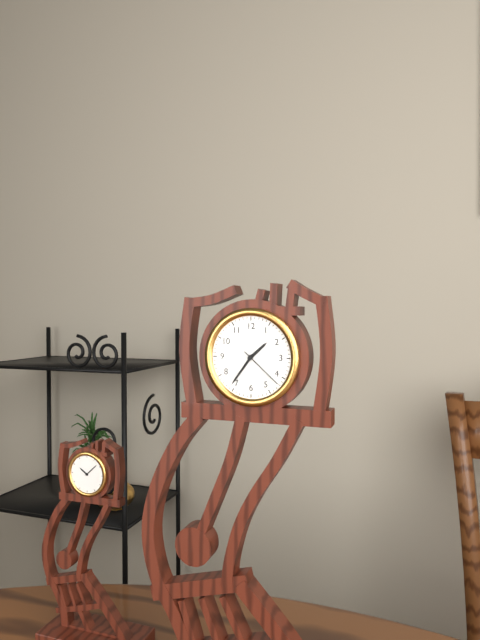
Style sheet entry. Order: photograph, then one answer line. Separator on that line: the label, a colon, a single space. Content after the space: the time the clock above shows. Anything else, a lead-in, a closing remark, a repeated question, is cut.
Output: 1:36
